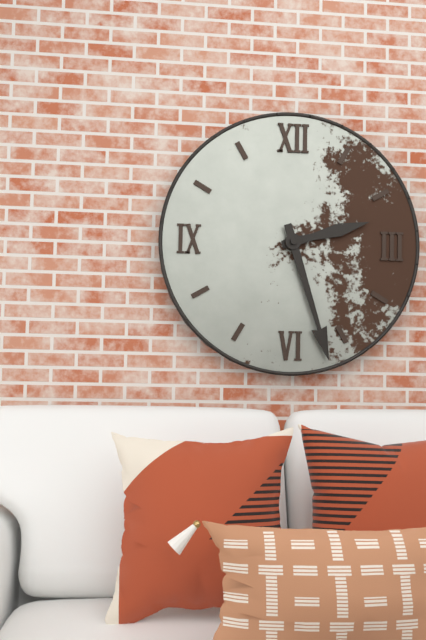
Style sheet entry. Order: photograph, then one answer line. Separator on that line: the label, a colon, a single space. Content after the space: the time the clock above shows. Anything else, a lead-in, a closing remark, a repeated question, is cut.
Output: 2:27
